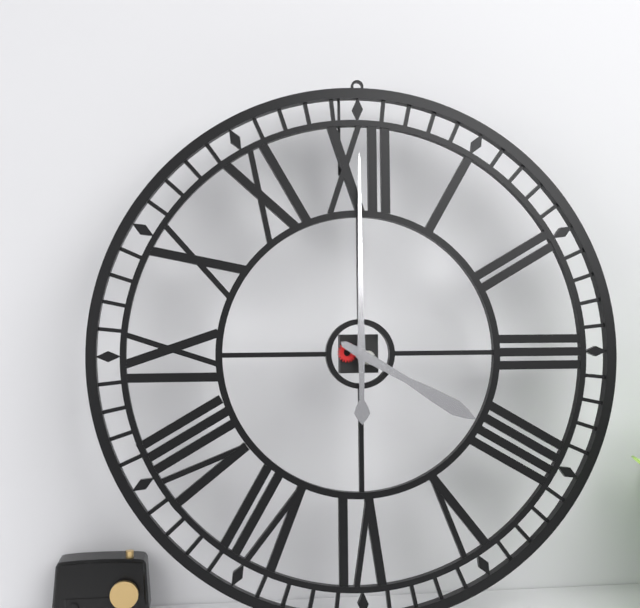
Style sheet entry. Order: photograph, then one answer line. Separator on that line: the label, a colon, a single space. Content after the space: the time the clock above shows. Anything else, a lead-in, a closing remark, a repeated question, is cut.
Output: 4:00
